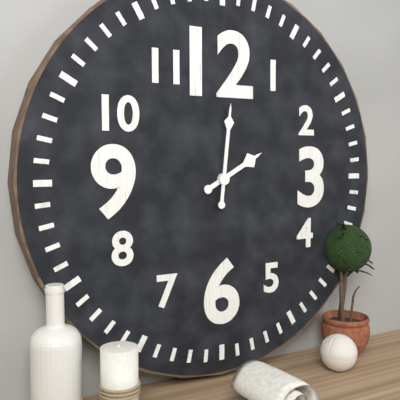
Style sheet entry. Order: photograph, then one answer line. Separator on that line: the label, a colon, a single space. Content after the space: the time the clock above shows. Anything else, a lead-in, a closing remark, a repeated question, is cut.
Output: 2:01
